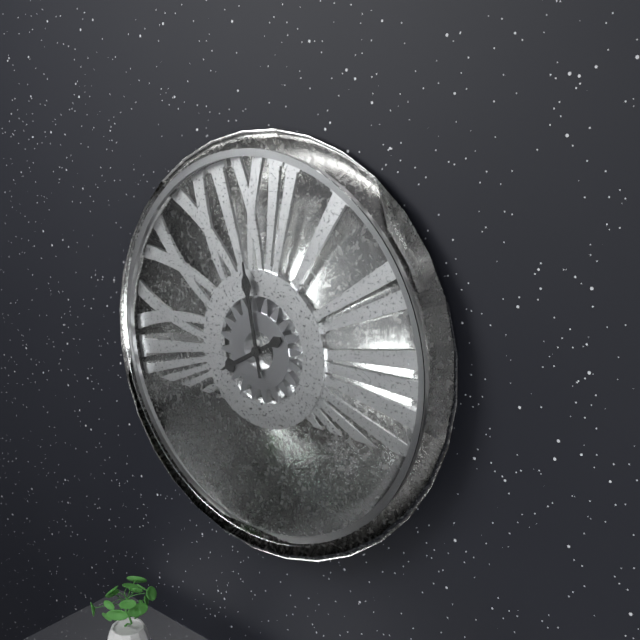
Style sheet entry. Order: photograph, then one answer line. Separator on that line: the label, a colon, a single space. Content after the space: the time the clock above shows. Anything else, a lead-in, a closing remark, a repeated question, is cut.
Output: 7:58
